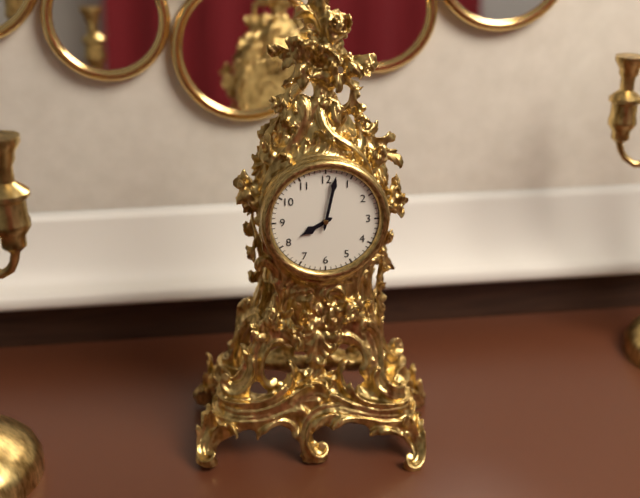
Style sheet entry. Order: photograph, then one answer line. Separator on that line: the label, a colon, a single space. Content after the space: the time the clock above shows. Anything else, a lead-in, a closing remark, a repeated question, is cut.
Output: 8:02
